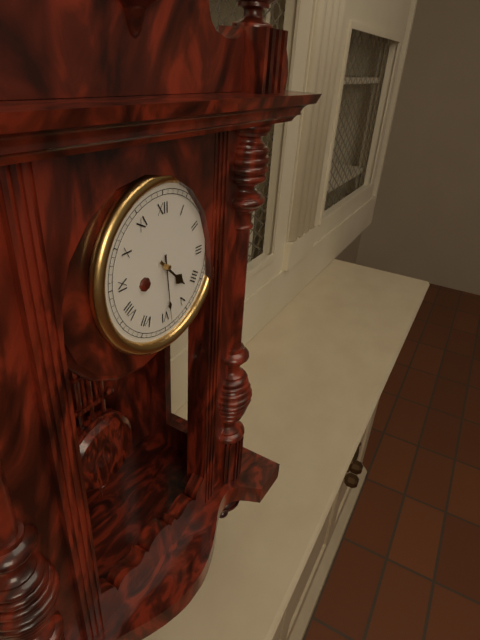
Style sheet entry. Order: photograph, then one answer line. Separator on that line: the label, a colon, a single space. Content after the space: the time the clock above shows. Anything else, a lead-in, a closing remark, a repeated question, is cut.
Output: 4:29
